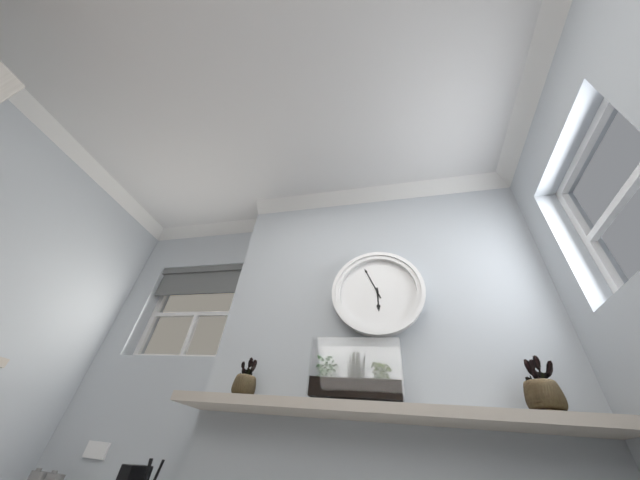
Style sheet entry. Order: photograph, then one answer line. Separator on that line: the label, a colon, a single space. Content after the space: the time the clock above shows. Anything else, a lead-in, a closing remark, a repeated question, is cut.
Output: 5:56
